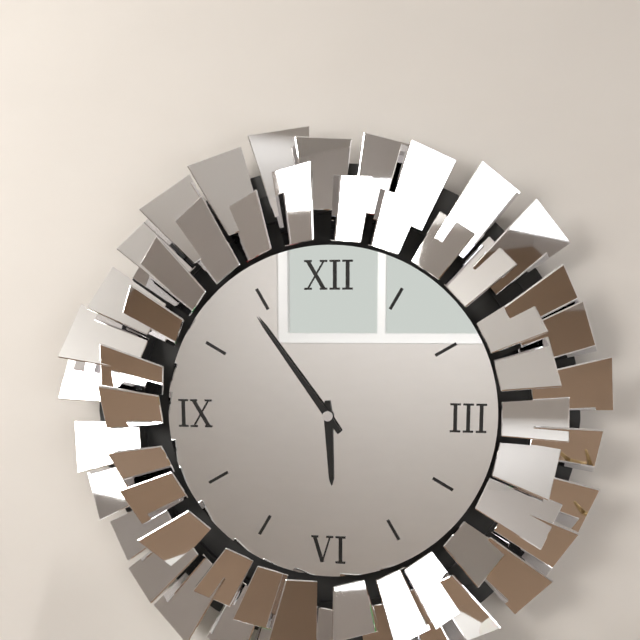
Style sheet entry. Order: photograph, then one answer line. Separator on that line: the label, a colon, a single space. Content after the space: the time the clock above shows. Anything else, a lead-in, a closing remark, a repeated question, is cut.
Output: 5:54
